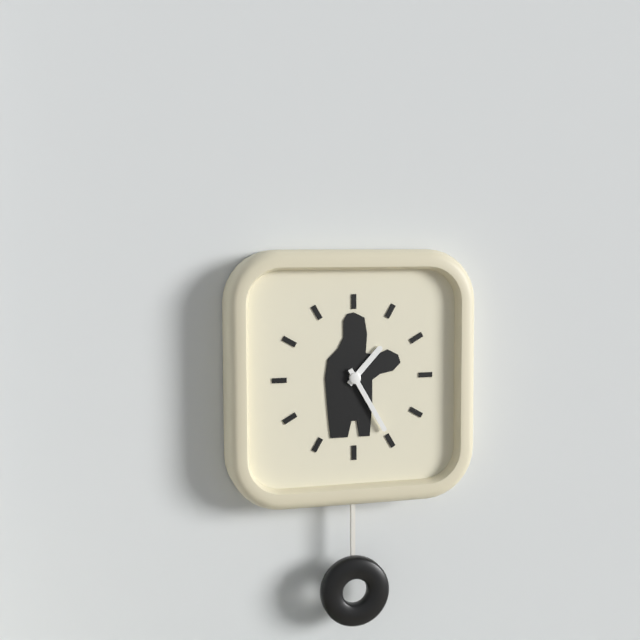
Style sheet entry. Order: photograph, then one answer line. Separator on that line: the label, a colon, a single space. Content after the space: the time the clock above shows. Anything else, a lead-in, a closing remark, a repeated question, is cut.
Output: 1:25
